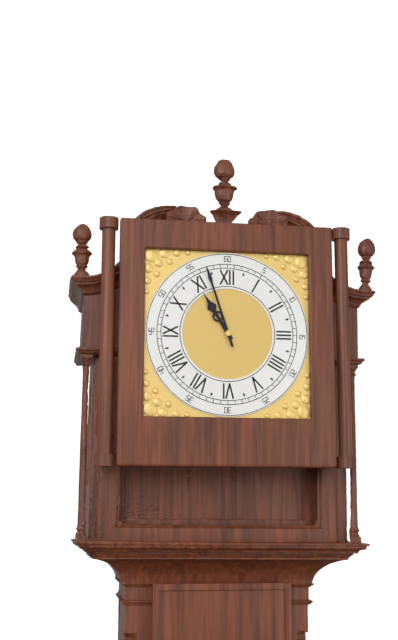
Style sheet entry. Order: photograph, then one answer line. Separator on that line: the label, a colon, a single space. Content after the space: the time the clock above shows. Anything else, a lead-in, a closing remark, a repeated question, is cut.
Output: 10:57
